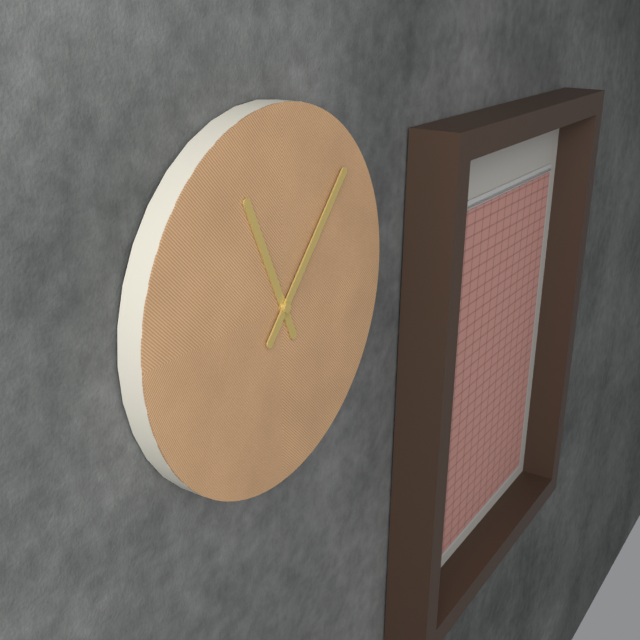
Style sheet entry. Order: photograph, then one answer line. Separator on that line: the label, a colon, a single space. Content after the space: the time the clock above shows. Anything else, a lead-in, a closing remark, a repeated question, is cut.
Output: 11:07
